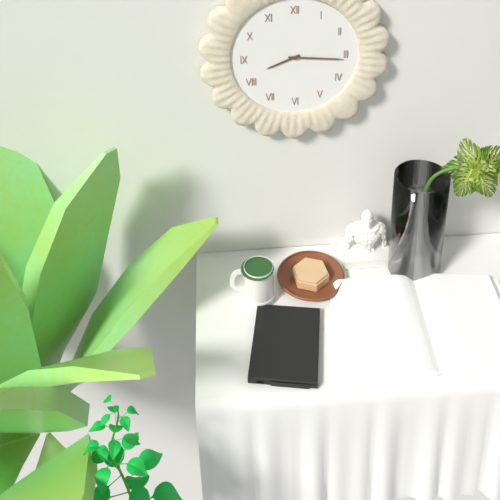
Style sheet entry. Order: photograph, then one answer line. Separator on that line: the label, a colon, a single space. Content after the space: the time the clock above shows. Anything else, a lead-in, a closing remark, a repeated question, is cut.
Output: 8:16
